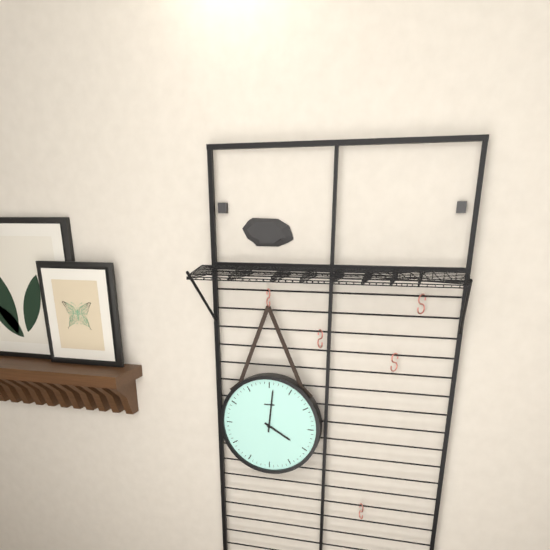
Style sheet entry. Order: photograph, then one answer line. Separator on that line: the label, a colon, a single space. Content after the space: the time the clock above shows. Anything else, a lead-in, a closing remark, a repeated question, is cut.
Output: 4:01
